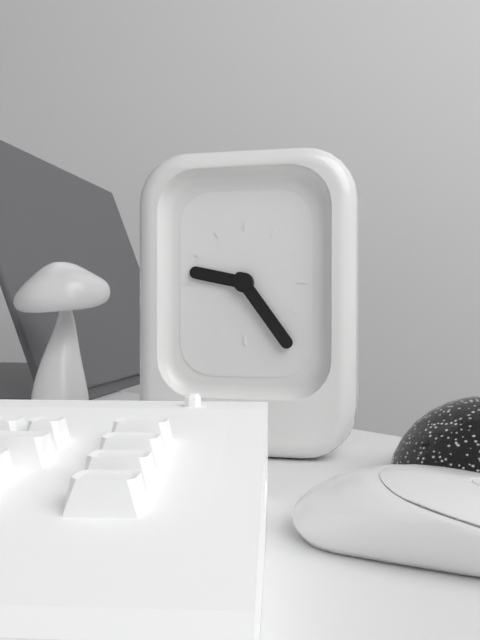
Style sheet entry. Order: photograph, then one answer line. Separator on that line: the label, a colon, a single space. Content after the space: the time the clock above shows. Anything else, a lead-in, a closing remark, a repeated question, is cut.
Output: 9:24
